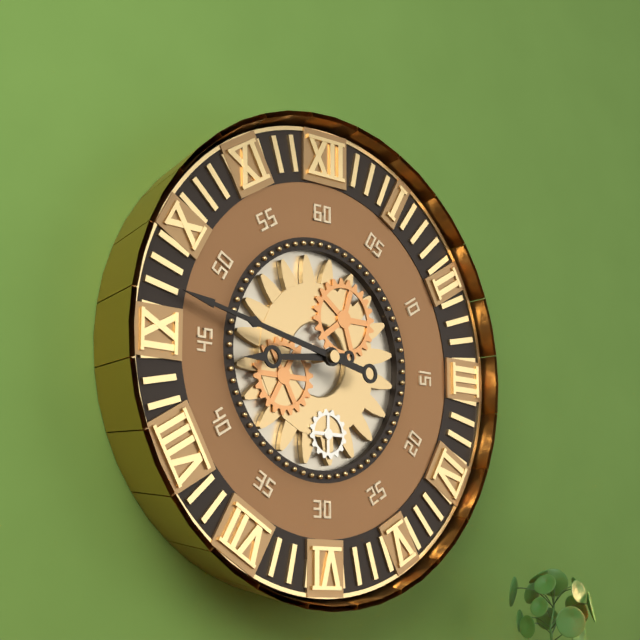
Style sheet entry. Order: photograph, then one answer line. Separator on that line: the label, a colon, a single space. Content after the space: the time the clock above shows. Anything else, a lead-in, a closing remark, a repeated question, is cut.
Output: 8:47
